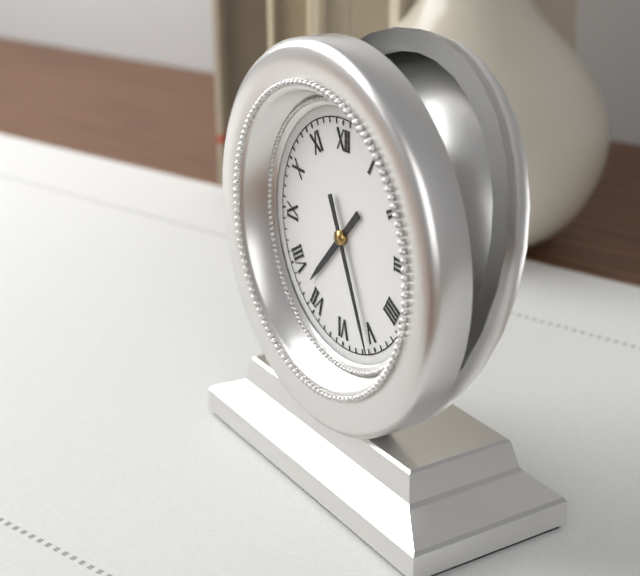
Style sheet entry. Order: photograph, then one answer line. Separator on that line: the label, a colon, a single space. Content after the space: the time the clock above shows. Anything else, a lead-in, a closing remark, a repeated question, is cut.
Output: 7:26
